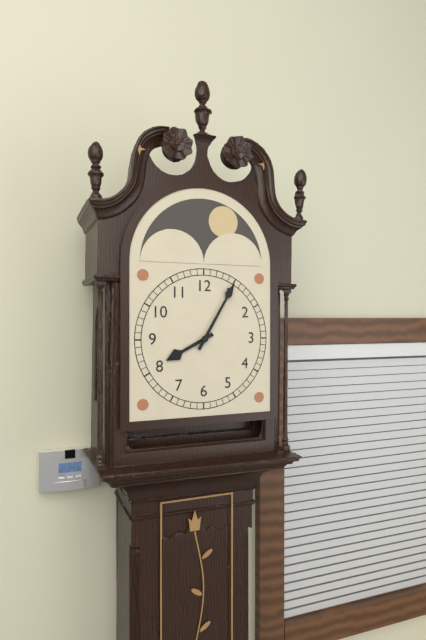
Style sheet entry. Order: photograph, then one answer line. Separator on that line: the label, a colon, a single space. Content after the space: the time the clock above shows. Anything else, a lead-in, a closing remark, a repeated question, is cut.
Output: 8:05
